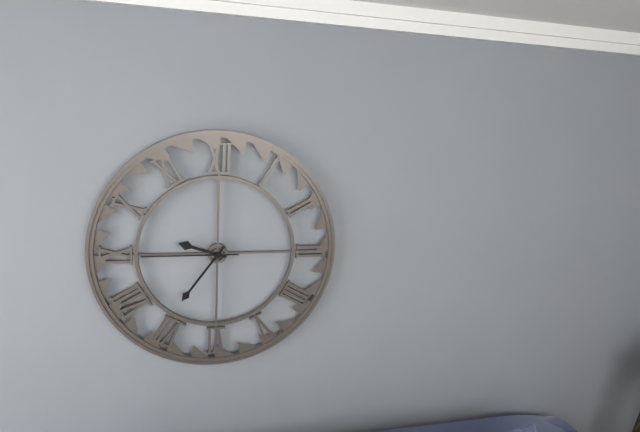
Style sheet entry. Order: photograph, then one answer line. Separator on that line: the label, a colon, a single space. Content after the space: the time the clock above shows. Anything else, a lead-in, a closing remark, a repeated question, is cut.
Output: 9:36:45
